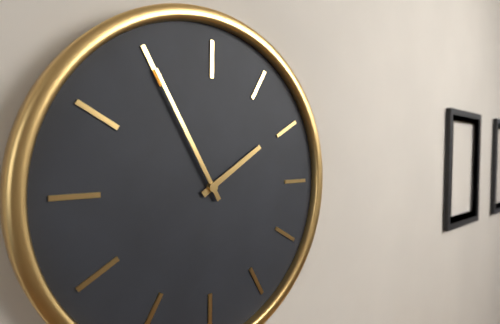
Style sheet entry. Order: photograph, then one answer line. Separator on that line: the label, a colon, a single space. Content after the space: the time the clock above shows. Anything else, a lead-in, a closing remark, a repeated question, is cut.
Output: 1:55
